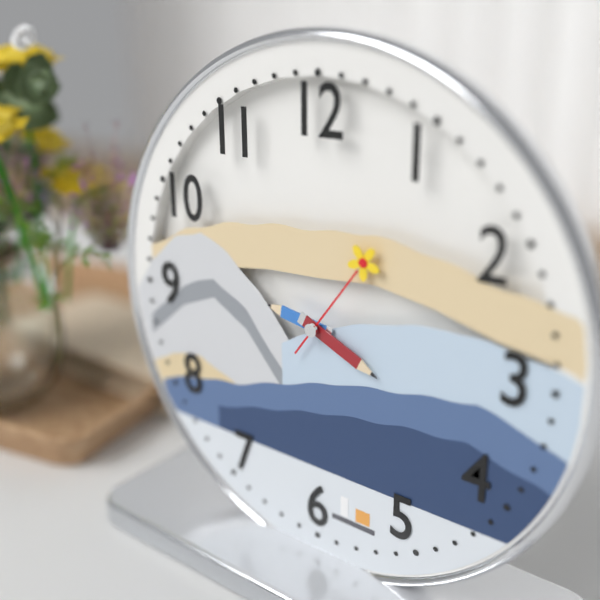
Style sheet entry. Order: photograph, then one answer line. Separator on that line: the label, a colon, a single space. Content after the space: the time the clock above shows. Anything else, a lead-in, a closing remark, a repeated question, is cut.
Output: 9:19:06
